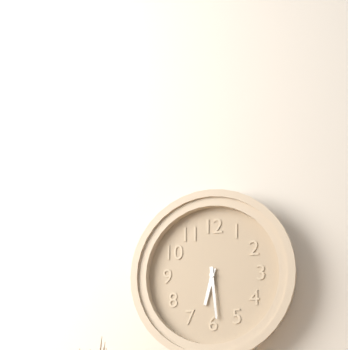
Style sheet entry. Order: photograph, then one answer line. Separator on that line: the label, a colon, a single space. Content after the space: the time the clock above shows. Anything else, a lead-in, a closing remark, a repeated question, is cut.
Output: 6:29
